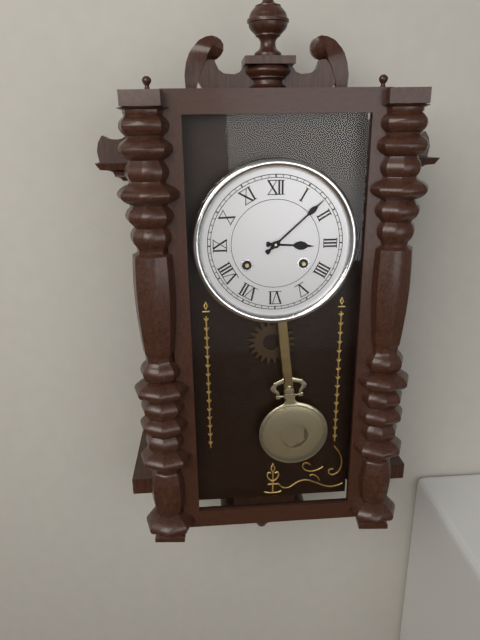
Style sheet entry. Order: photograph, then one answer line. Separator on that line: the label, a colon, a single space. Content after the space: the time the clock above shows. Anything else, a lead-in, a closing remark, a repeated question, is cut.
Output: 3:08
